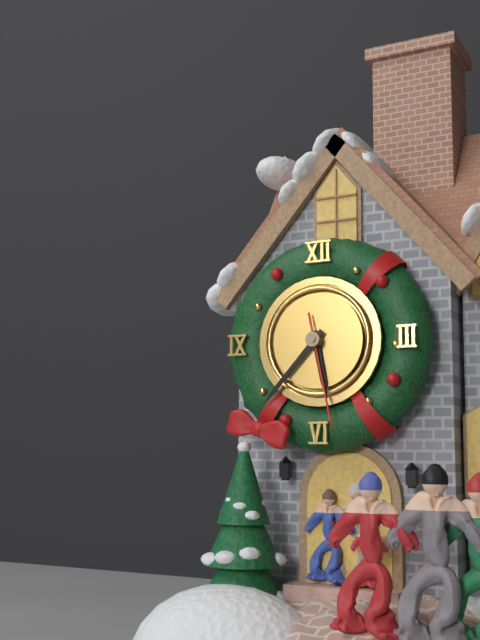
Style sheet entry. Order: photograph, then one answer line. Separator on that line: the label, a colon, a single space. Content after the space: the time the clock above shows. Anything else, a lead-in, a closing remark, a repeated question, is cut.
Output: 5:37:28
